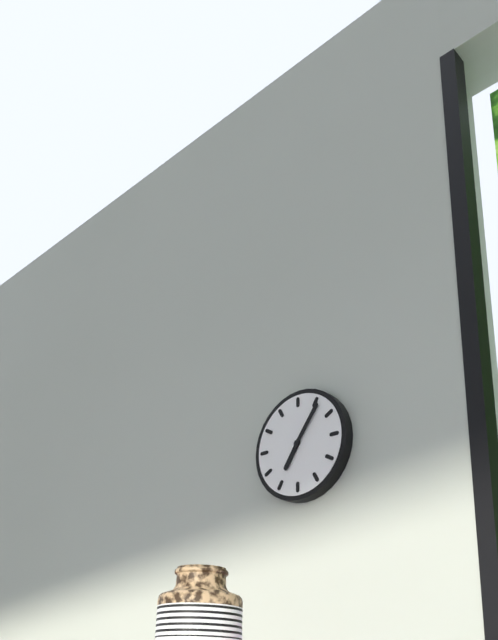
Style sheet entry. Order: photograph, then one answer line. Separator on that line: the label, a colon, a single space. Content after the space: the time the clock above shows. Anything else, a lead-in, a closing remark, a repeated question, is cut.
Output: 7:06
